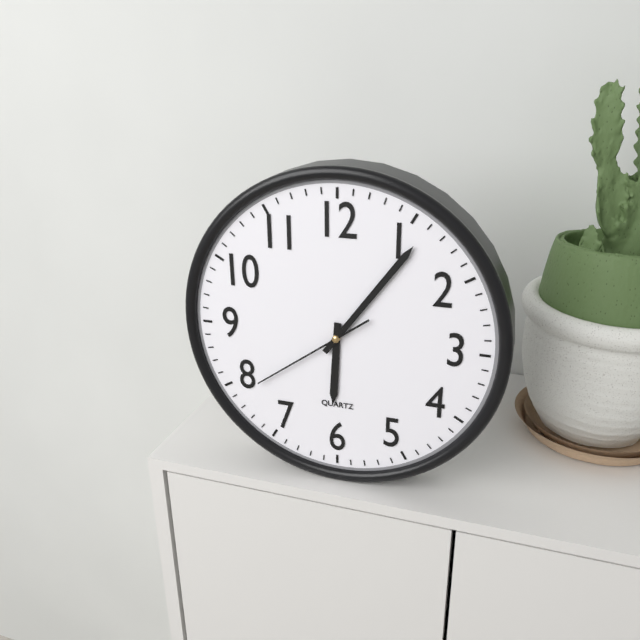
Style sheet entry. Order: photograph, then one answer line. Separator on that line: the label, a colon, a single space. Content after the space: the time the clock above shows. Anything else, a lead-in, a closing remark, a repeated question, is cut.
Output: 6:06:39
